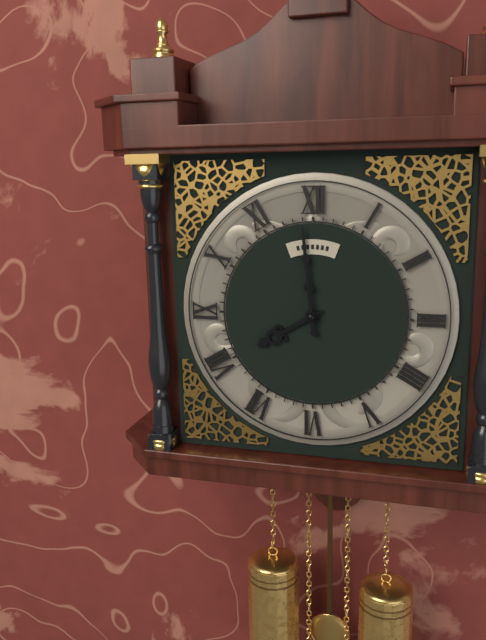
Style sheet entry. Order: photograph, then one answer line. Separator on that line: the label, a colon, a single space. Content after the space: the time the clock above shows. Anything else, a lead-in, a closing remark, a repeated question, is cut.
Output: 7:59
